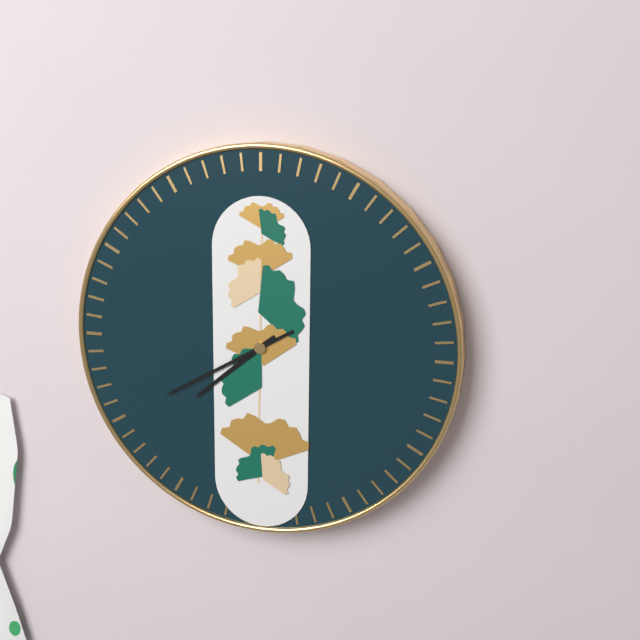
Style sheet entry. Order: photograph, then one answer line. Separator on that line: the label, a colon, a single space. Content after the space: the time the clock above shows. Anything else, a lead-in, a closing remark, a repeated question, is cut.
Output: 7:40
